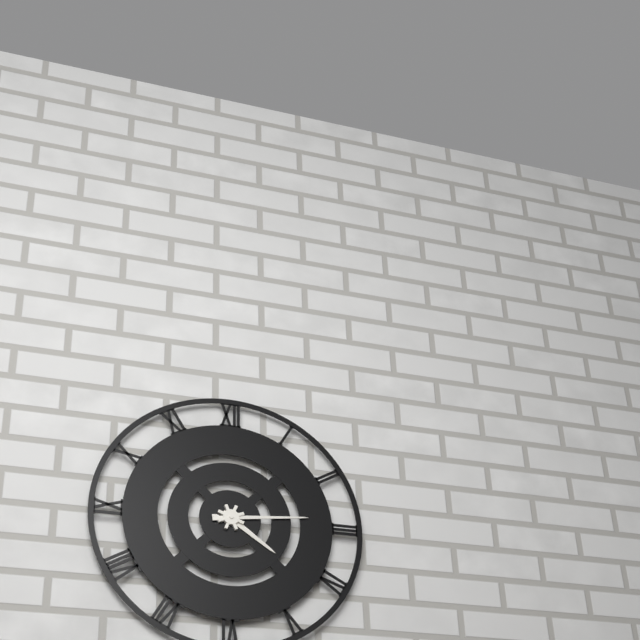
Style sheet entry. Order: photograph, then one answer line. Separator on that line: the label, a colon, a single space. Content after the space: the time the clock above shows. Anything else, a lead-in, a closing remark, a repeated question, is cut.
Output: 4:14
